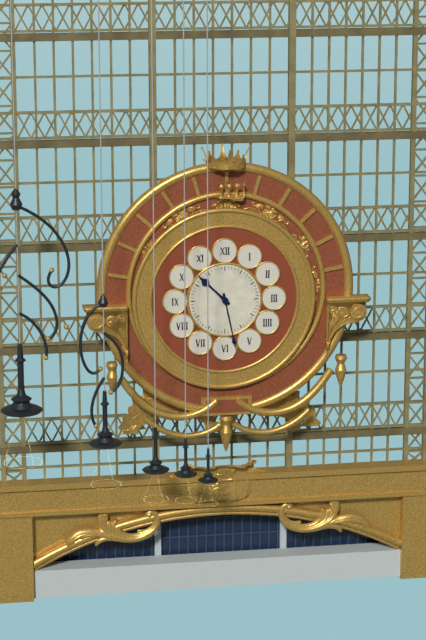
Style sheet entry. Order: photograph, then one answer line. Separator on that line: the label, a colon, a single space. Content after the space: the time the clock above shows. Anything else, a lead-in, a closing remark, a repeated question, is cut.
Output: 10:28
